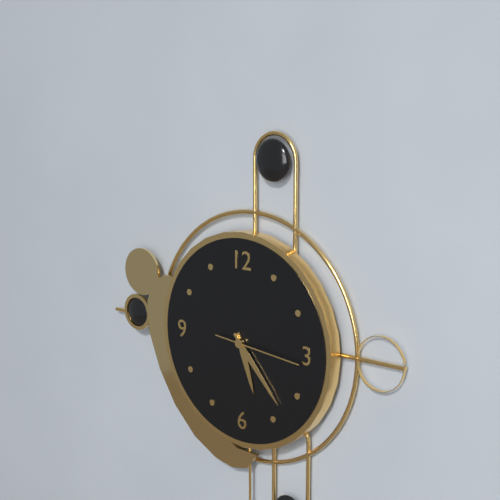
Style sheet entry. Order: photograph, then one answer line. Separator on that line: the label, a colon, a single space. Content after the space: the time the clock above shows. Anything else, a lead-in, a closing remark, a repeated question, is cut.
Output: 5:23:16
